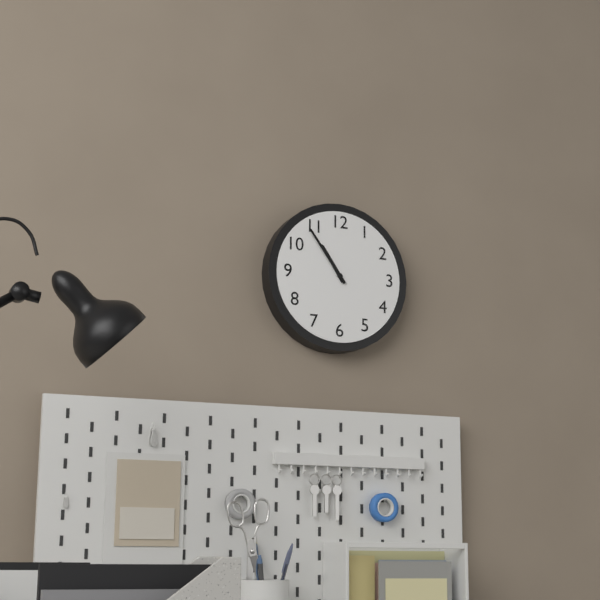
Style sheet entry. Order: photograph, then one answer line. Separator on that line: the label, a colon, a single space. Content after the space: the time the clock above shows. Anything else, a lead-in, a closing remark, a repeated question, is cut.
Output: 10:54
